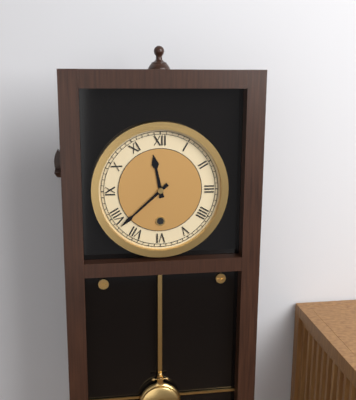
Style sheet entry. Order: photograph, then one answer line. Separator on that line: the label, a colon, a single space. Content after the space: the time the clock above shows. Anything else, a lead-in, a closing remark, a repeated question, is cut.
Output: 11:38
